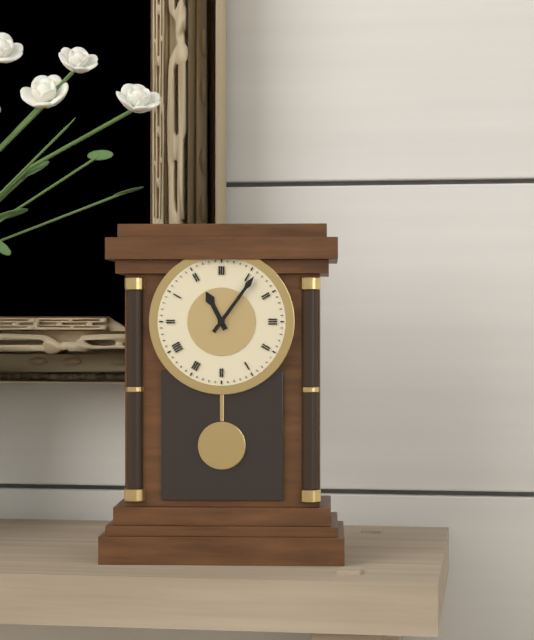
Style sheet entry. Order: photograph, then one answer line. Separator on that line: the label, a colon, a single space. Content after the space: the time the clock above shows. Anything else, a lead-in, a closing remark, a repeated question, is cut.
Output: 11:06
